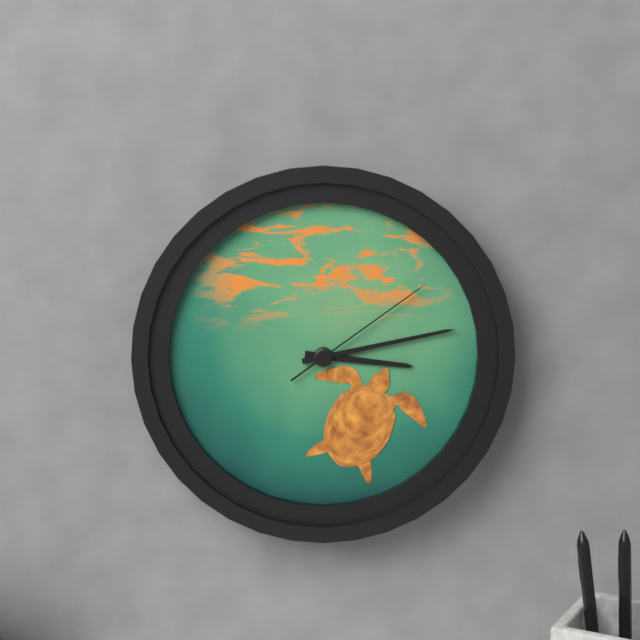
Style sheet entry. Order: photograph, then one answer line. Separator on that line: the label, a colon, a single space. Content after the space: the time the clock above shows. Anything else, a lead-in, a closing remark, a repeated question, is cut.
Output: 3:13:09
